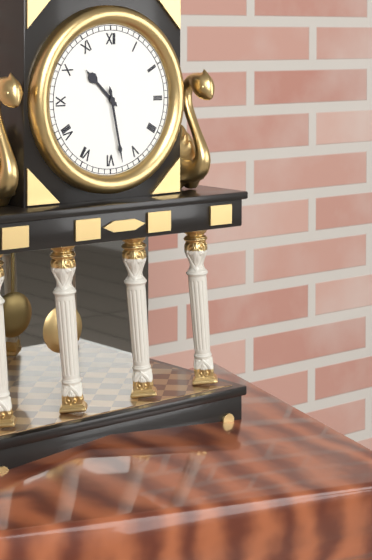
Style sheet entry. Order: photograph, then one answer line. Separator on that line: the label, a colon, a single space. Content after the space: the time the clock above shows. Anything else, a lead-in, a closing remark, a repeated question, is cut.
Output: 10:28
